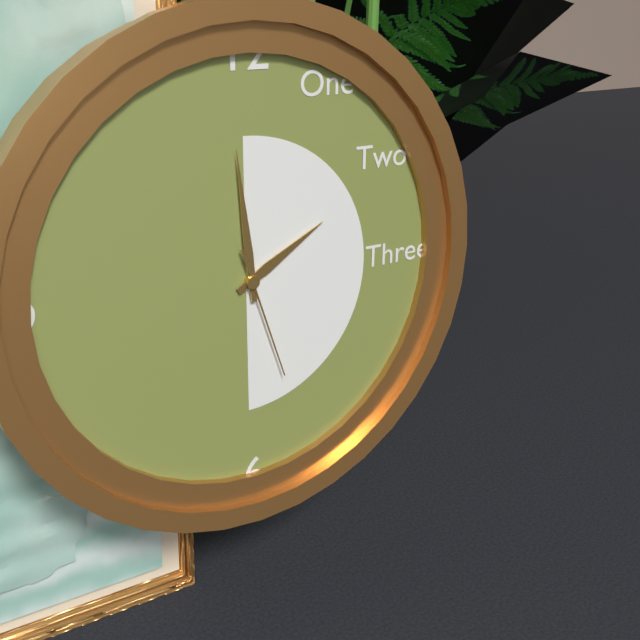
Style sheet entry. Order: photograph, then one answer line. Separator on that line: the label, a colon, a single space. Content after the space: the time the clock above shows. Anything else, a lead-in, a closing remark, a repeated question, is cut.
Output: 1:59:27
